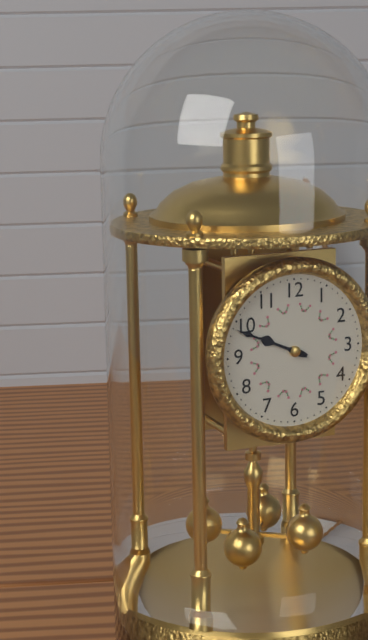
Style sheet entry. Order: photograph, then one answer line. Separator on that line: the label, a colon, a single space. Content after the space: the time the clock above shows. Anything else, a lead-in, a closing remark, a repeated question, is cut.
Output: 9:49
